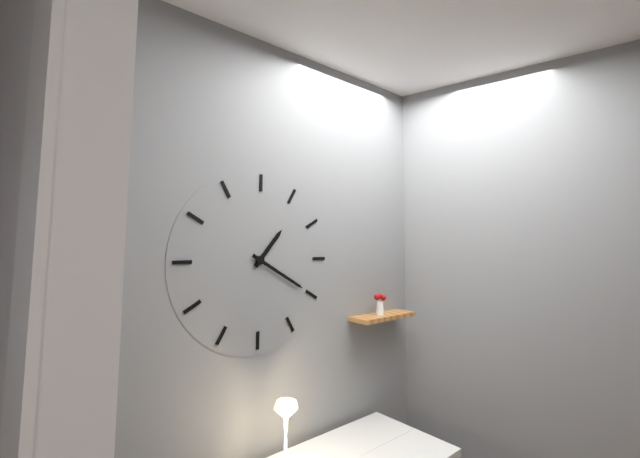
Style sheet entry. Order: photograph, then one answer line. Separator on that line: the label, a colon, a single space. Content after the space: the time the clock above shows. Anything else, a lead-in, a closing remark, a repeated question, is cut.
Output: 1:20
